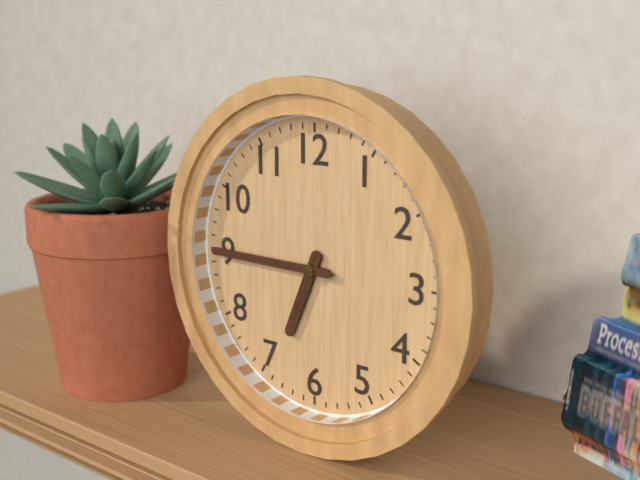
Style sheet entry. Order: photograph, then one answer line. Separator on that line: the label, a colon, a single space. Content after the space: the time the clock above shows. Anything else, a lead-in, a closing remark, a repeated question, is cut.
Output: 6:45
